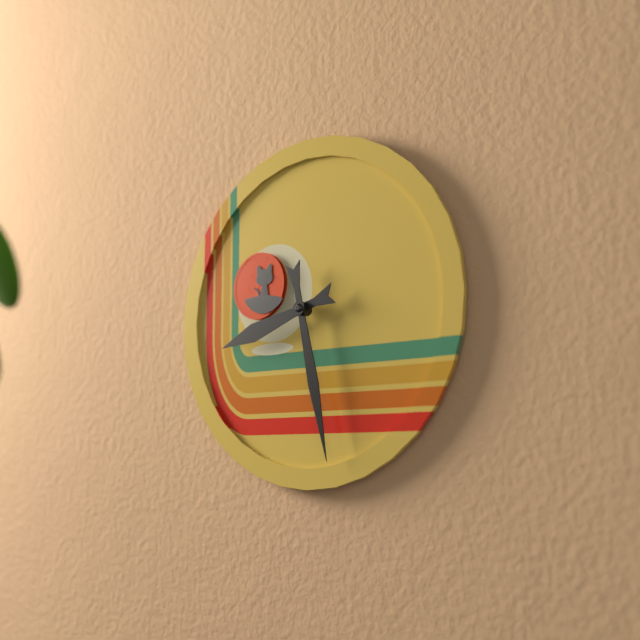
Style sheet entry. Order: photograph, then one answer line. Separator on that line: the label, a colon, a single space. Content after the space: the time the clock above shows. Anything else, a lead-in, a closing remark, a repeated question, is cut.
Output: 8:28
